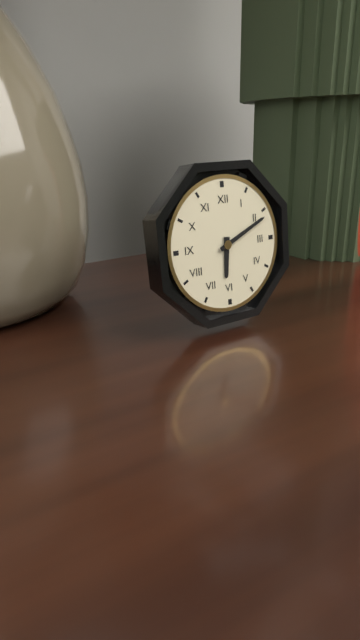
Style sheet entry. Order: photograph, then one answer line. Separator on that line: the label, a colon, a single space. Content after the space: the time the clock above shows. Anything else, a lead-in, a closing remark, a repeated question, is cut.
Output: 6:11
